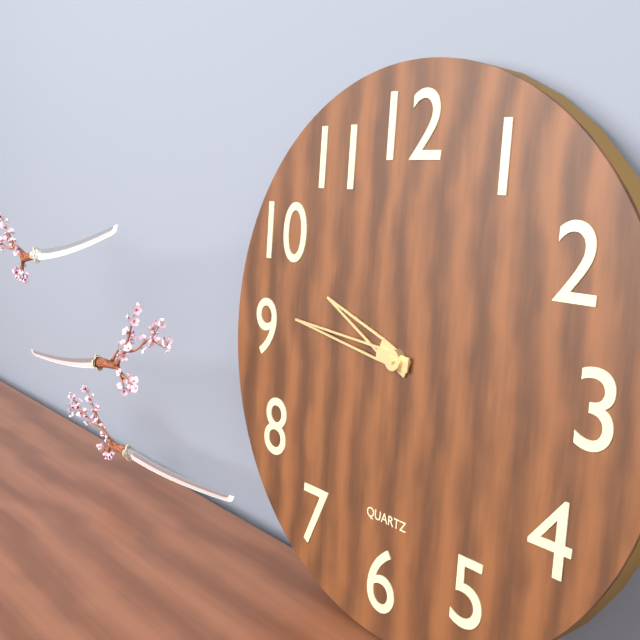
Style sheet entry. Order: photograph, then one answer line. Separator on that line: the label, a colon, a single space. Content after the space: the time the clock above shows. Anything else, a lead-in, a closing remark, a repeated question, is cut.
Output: 9:46
